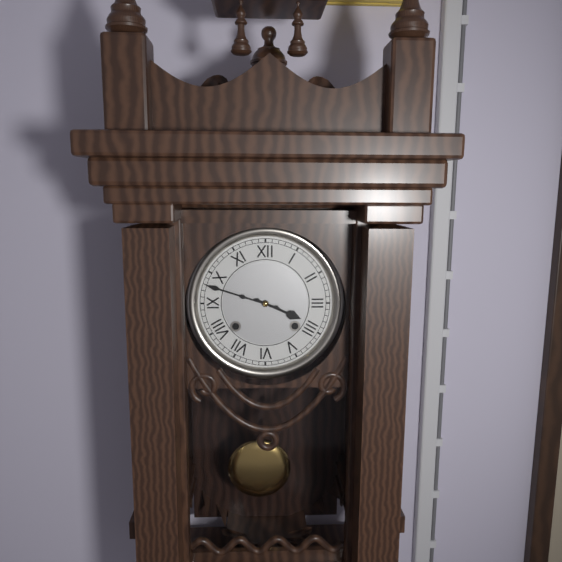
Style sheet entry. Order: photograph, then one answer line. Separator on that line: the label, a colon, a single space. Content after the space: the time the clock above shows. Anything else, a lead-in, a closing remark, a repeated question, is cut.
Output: 3:48
